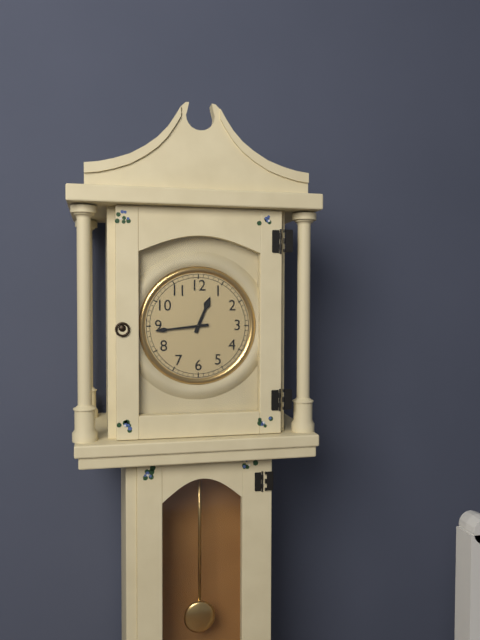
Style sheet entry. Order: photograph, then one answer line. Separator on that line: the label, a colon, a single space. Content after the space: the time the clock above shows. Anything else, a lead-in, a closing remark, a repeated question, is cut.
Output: 12:44
